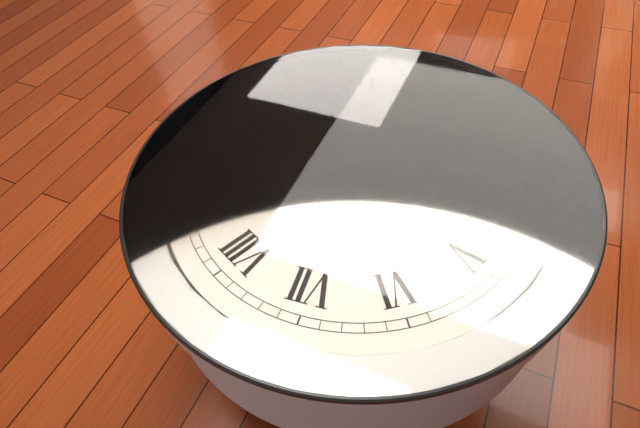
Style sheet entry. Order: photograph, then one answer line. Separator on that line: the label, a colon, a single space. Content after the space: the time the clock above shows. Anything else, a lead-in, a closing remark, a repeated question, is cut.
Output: 2:04
